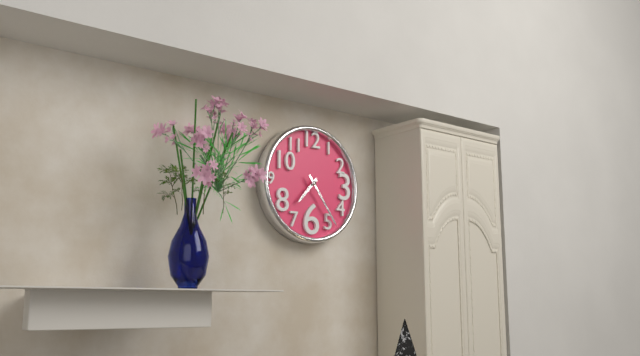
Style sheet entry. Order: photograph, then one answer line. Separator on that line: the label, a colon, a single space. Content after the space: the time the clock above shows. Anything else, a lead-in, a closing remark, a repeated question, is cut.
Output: 7:24
